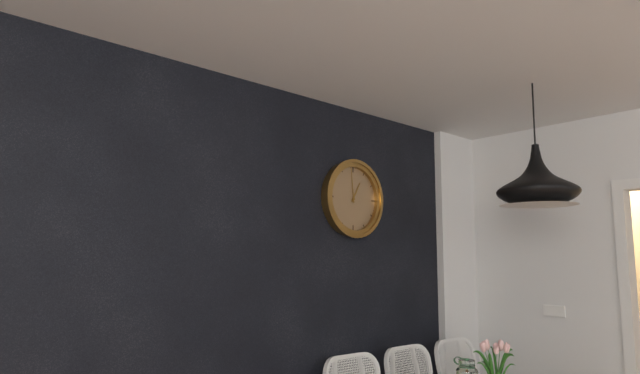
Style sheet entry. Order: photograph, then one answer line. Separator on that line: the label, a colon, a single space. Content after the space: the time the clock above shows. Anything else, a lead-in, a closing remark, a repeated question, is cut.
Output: 12:59
